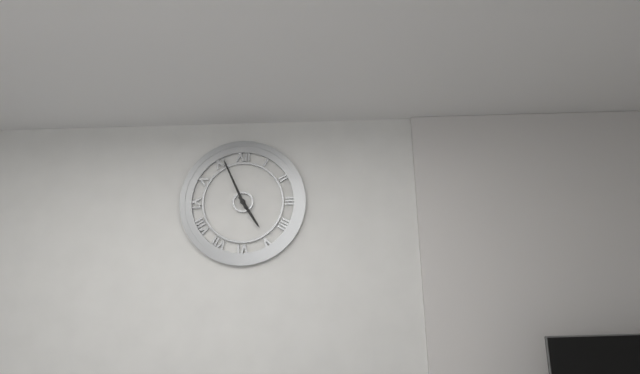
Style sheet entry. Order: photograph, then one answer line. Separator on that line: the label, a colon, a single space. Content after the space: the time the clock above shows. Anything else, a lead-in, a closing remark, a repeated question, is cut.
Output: 4:56
